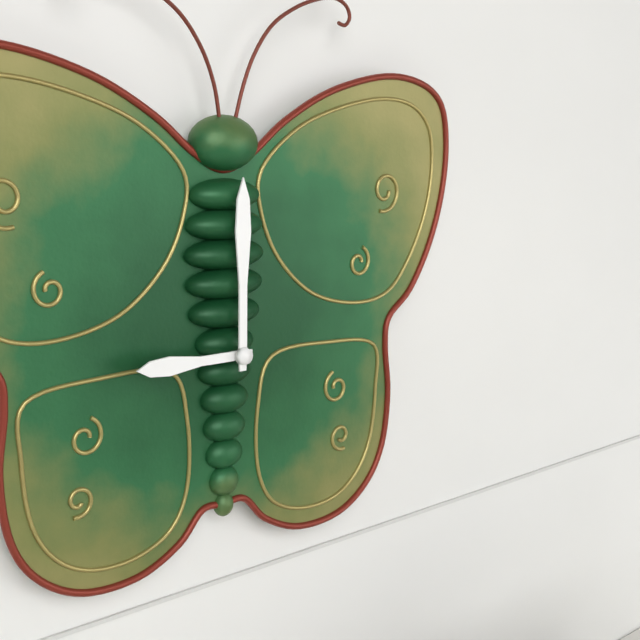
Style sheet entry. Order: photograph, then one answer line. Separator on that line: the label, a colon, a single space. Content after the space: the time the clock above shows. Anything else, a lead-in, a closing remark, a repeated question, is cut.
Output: 9:00
